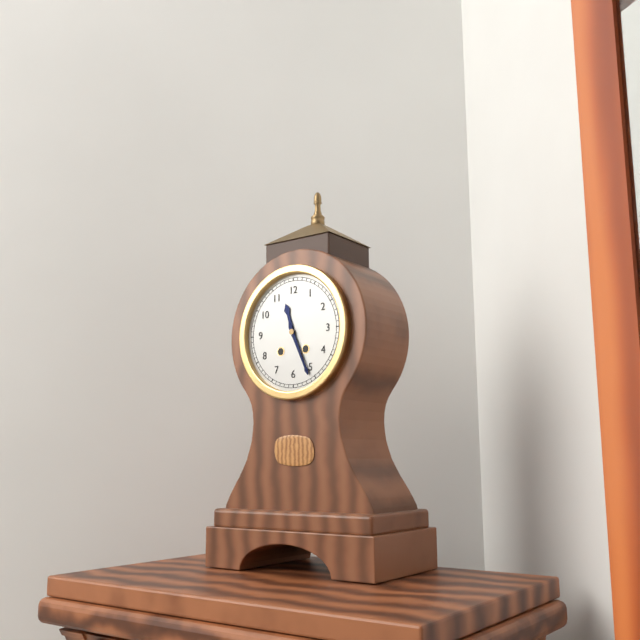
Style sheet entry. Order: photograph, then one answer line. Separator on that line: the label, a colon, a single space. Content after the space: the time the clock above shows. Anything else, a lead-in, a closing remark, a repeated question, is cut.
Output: 11:26
